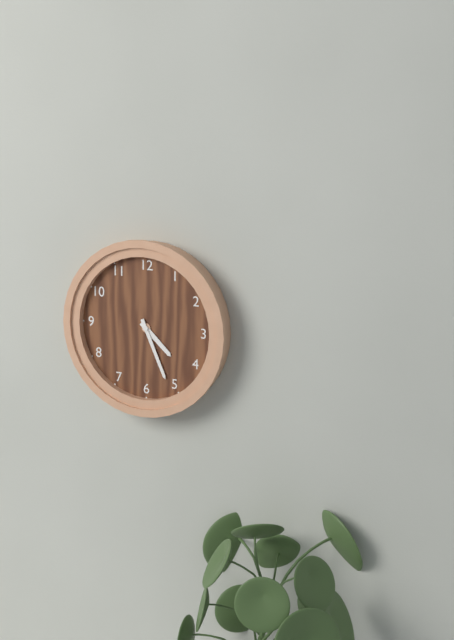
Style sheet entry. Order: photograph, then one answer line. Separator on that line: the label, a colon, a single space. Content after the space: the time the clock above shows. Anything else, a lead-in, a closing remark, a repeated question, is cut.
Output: 4:26
